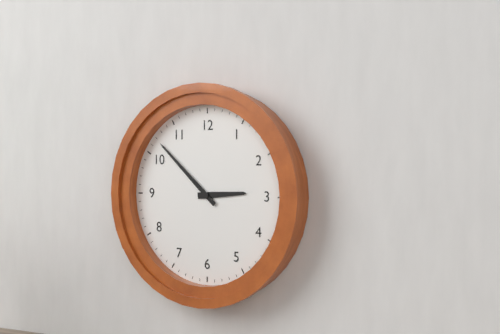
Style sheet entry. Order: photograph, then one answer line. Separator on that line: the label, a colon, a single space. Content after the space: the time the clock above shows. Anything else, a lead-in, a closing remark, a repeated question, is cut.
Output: 2:52
